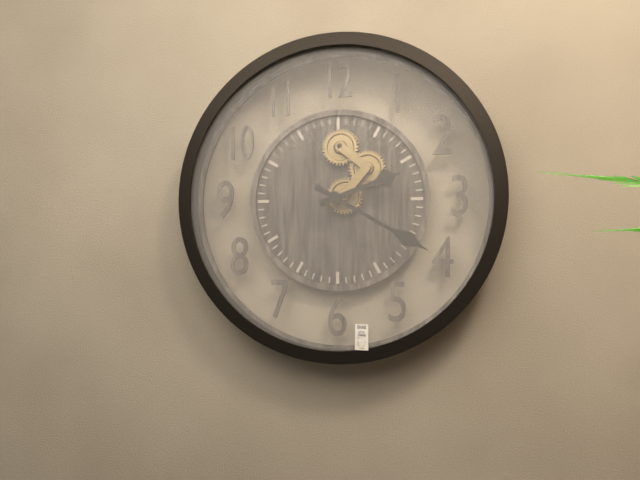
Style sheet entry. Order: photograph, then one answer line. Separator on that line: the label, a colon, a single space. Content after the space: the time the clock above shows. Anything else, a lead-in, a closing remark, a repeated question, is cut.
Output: 2:20
